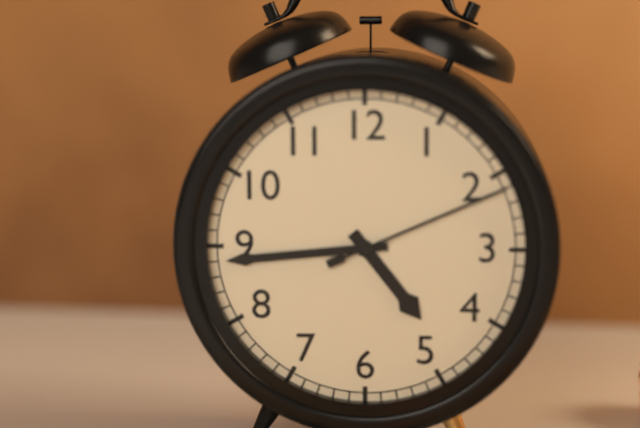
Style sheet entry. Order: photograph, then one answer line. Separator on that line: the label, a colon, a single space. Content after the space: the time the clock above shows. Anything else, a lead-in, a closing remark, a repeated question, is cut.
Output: 4:44:11
